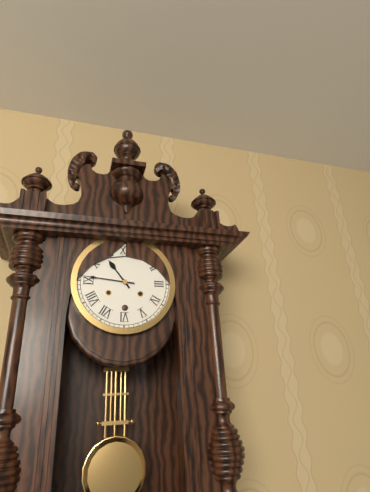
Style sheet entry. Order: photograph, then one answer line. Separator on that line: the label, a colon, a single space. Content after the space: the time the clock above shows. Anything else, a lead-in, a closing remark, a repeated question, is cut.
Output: 10:46
